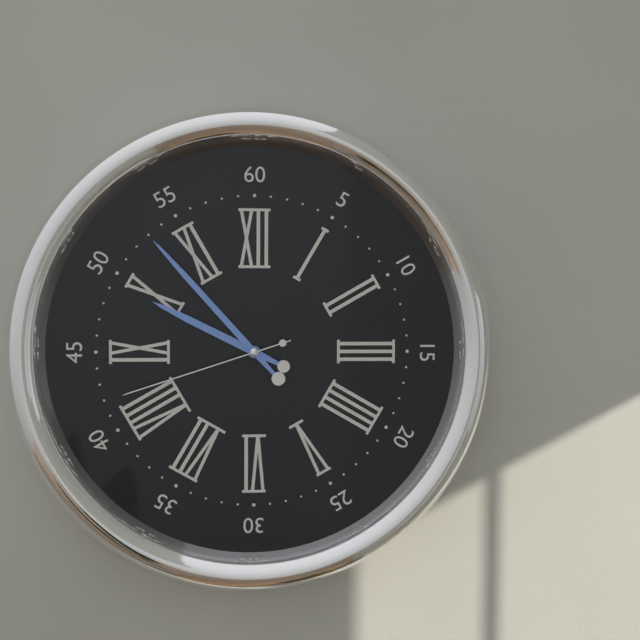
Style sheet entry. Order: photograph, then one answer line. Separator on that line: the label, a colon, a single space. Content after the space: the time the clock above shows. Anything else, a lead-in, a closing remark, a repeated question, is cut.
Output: 9:53:42
